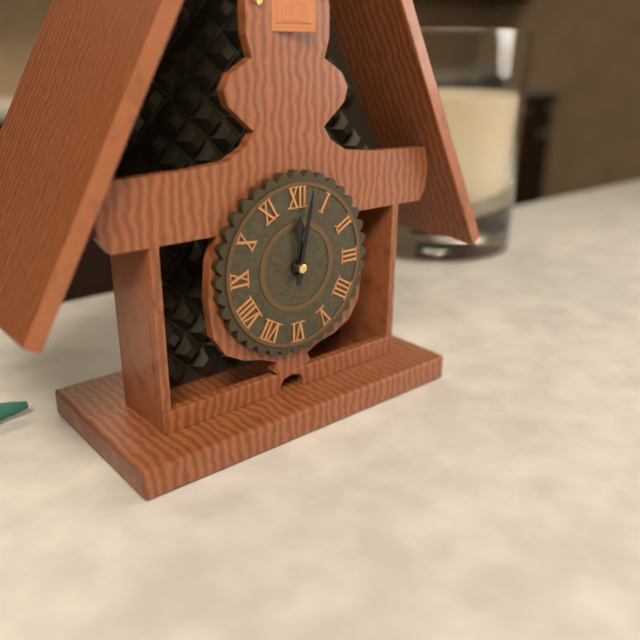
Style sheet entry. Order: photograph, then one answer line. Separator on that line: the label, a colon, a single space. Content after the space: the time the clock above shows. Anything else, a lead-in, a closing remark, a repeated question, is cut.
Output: 12:02
